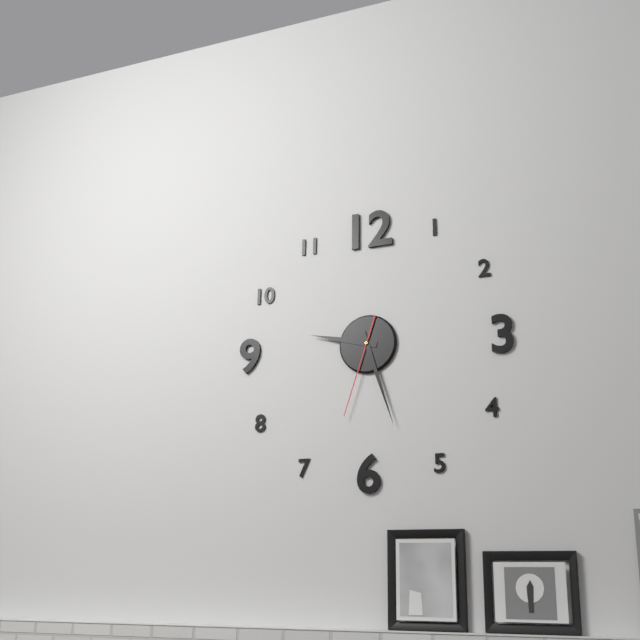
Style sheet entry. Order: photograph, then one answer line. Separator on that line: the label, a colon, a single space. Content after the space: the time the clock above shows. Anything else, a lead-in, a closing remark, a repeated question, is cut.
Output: 9:27:33
